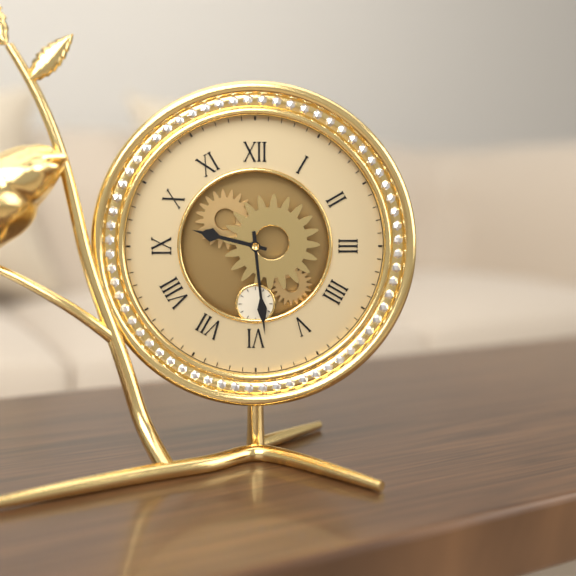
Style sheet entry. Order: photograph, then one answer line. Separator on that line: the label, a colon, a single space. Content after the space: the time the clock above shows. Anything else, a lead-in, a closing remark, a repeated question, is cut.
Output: 9:29
